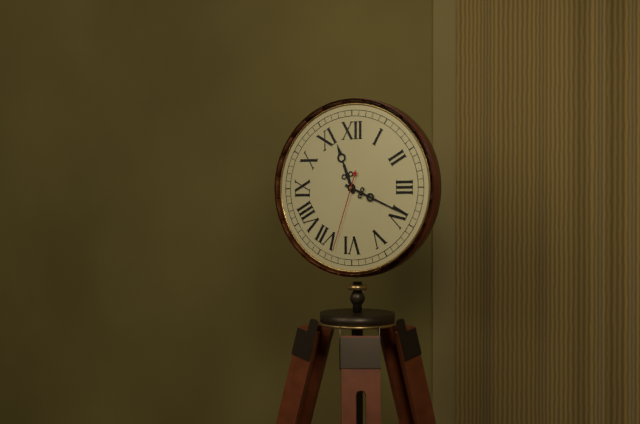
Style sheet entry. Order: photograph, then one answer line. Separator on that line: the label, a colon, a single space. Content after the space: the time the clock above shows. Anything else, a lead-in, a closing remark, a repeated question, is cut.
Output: 11:19:33
